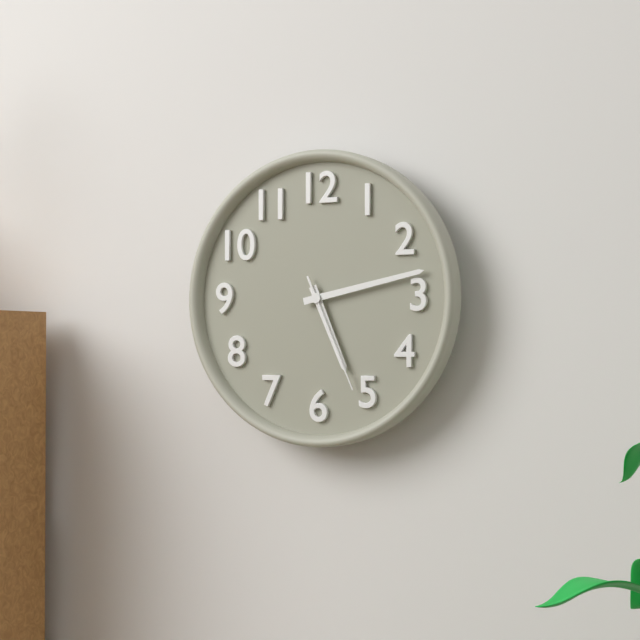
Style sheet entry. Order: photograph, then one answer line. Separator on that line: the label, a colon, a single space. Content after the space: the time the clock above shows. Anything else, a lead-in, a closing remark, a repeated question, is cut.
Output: 5:13:26
